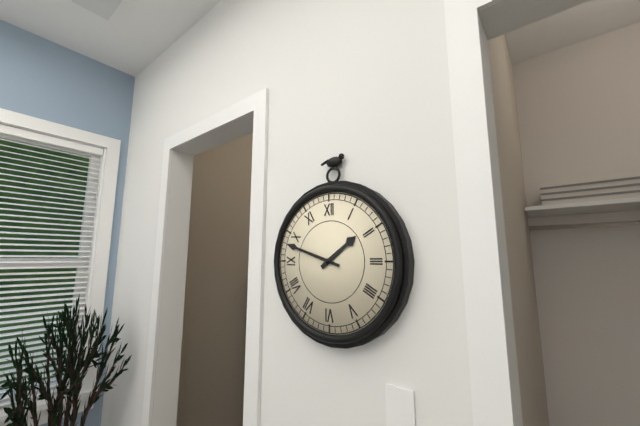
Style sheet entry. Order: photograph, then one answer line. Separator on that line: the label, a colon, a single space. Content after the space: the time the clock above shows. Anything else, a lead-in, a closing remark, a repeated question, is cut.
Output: 1:48
